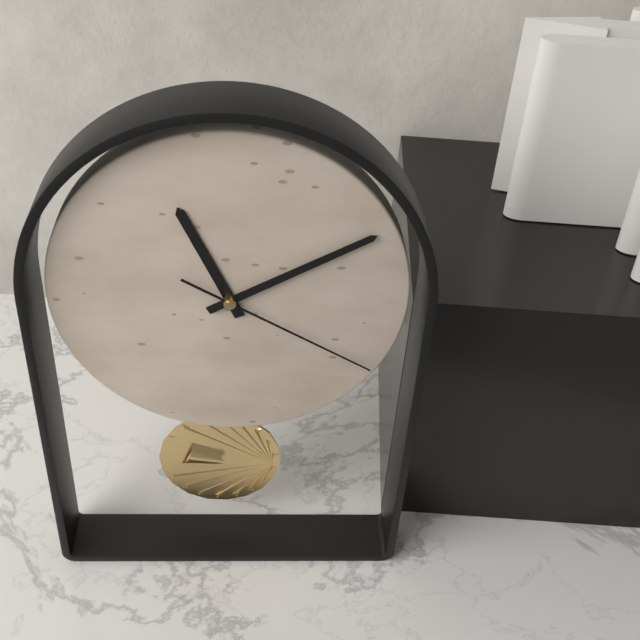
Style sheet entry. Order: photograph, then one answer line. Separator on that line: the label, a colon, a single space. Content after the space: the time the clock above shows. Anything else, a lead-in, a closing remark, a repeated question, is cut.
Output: 11:10:20
